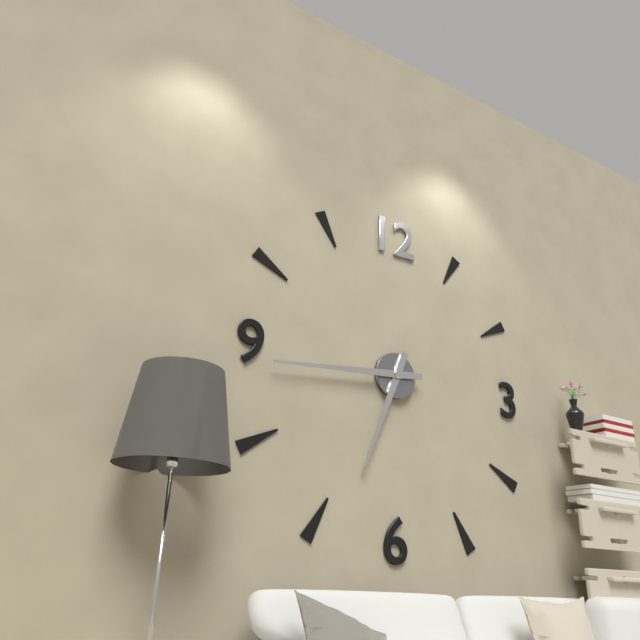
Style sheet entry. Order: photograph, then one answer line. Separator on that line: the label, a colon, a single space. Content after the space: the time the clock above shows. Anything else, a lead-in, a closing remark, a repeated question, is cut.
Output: 6:44
